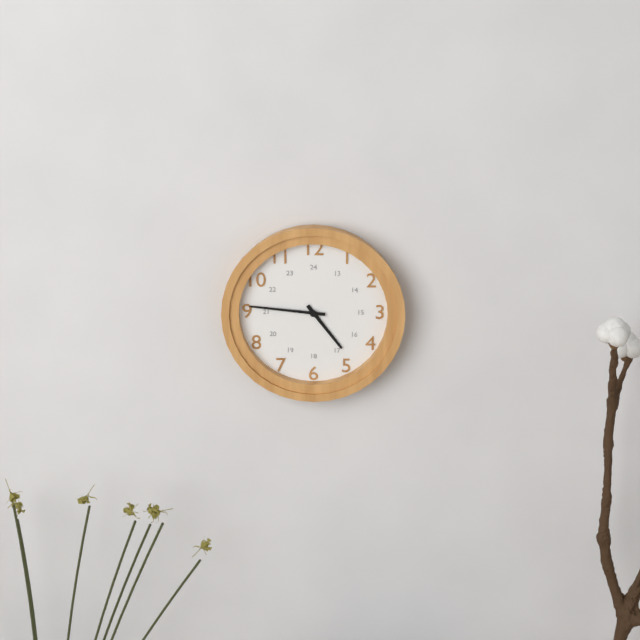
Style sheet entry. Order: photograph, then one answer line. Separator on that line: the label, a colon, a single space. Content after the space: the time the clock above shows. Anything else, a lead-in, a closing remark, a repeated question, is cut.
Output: 4:46
